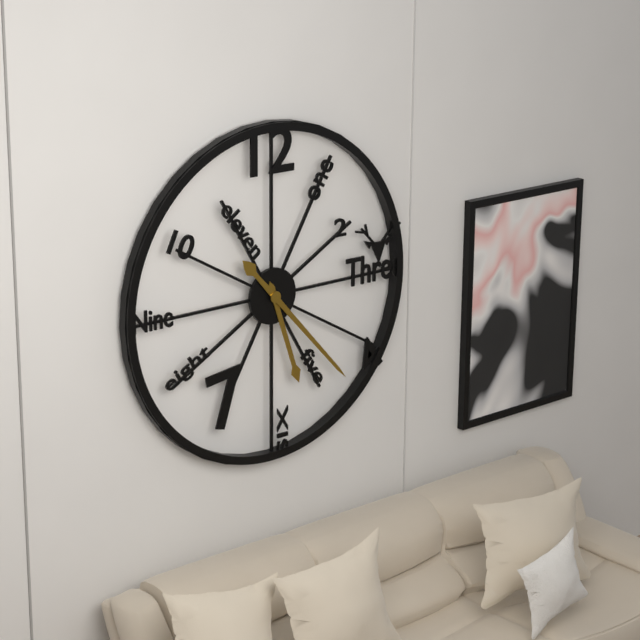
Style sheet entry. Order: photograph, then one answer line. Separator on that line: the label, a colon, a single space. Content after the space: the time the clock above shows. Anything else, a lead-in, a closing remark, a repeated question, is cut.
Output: 5:23
